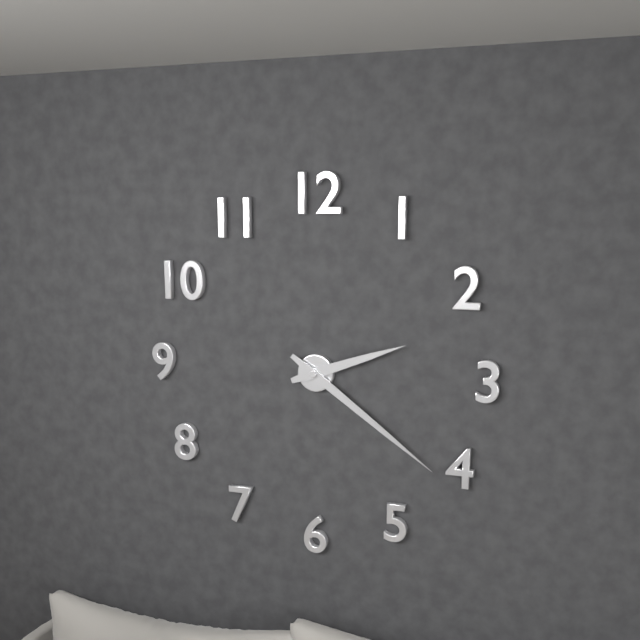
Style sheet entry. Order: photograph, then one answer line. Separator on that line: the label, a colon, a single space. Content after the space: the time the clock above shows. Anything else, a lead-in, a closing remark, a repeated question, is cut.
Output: 2:21
